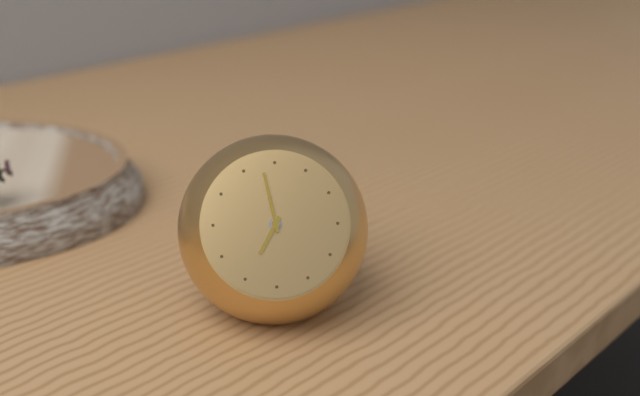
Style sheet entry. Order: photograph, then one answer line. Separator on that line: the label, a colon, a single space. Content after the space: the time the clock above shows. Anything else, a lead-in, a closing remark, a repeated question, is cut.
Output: 6:58
